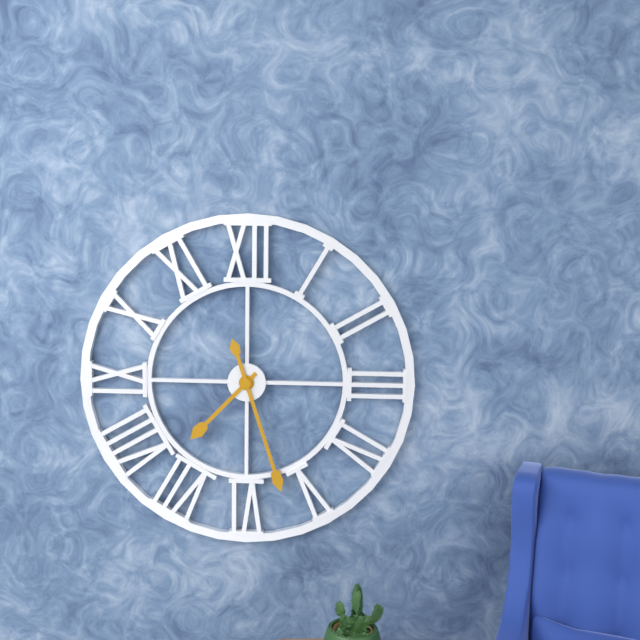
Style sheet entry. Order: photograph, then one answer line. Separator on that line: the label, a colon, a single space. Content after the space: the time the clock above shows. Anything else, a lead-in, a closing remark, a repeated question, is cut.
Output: 7:27
